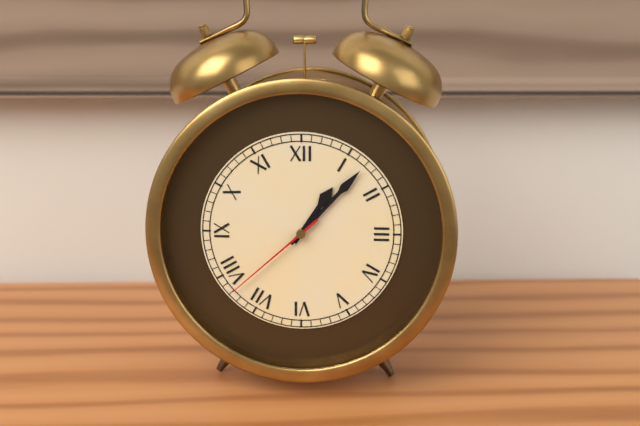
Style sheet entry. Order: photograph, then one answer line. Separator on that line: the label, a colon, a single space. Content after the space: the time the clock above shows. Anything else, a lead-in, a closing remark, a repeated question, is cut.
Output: 1:07:38
